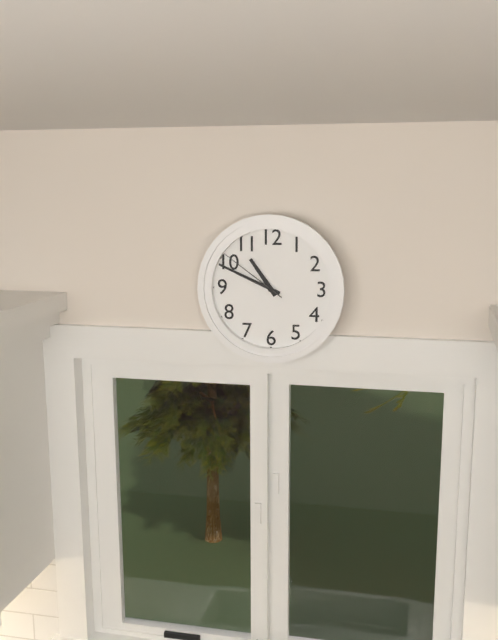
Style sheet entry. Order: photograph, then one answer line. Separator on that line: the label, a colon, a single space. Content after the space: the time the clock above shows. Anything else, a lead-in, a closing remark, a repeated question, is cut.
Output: 10:49:51
